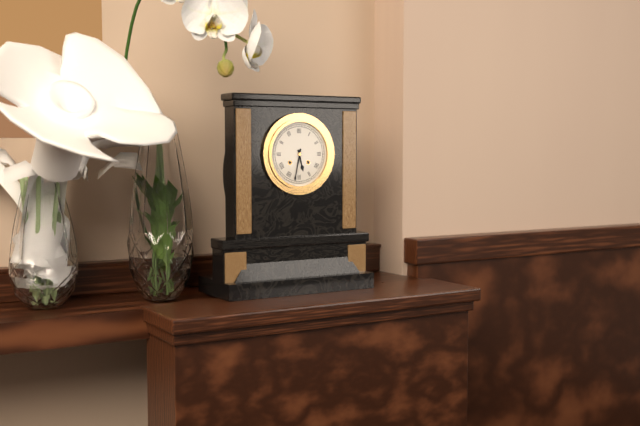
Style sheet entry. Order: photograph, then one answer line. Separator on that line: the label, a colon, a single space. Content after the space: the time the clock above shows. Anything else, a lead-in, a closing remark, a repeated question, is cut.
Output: 5:32
